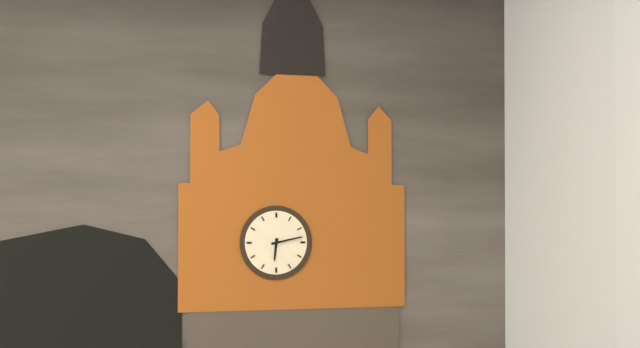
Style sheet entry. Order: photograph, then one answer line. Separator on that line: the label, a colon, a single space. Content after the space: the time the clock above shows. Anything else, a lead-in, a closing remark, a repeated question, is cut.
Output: 6:13
